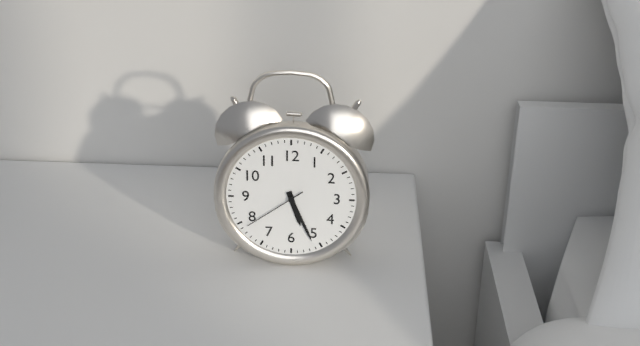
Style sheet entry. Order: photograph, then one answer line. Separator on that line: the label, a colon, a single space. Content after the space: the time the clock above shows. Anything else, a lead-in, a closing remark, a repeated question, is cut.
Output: 5:26:39
